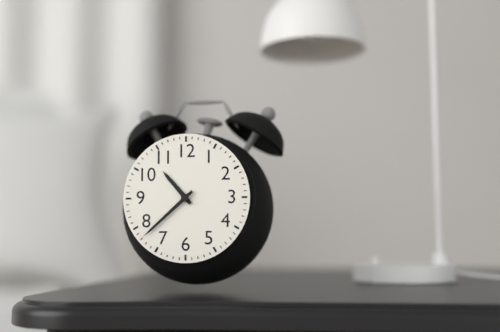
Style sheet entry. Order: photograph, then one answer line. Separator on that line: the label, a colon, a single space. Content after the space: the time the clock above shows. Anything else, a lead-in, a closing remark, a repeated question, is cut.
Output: 10:38
